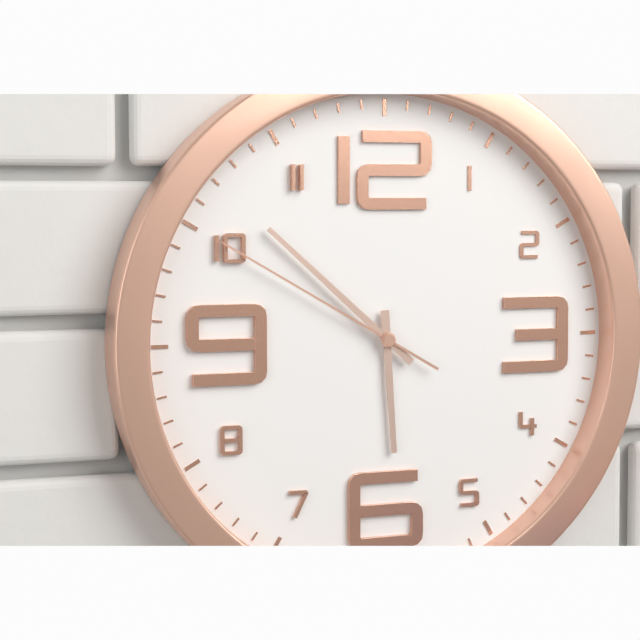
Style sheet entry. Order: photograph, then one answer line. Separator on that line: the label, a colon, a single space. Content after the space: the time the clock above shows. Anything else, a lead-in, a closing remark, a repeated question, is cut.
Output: 5:52:50
